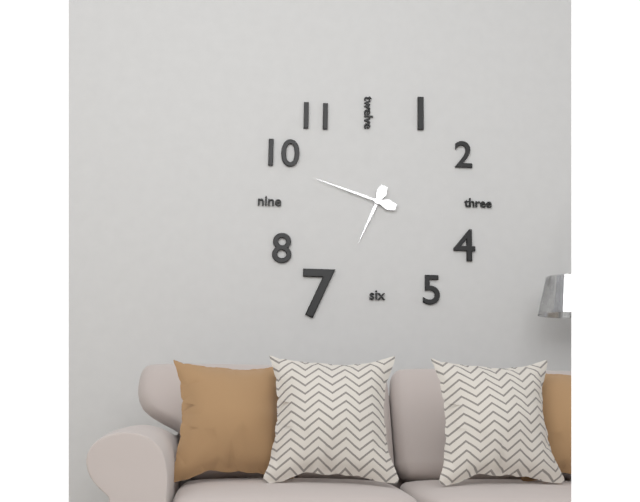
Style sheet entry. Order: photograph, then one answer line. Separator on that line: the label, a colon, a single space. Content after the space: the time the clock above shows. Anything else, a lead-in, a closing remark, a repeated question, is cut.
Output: 6:48
